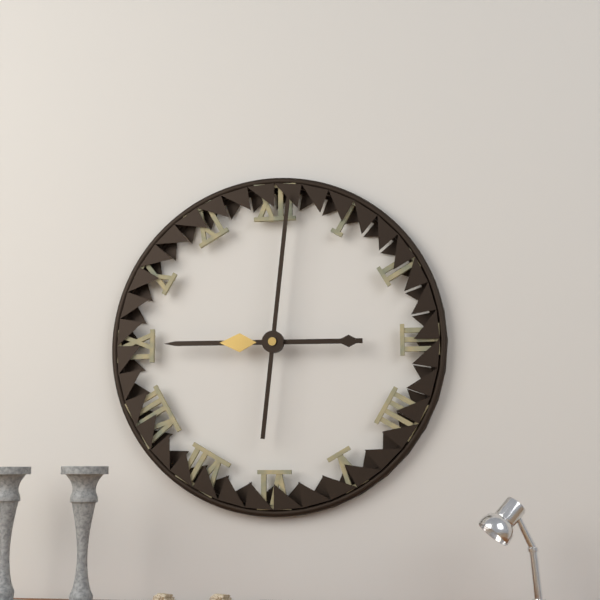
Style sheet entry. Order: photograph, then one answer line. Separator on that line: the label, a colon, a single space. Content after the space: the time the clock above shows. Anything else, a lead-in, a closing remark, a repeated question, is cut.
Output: 9:01
